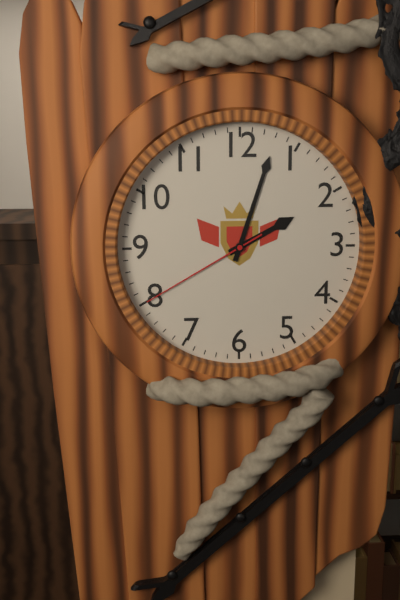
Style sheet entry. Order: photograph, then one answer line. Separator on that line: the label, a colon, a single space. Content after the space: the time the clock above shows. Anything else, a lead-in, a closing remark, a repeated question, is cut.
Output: 2:03:40
